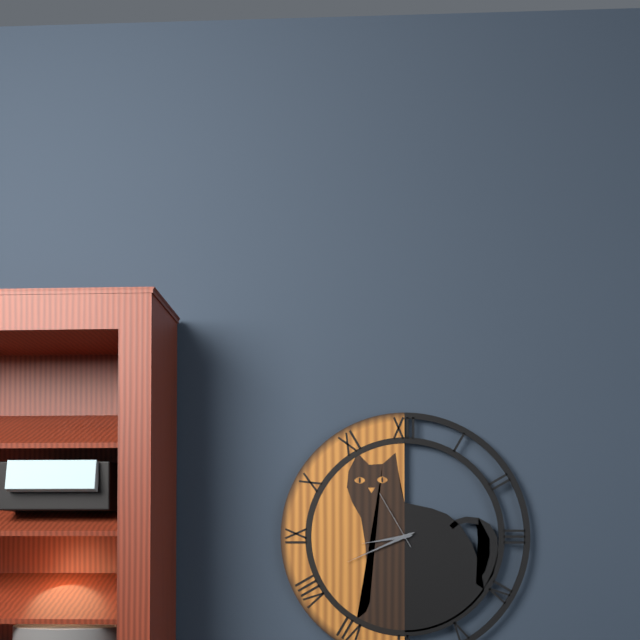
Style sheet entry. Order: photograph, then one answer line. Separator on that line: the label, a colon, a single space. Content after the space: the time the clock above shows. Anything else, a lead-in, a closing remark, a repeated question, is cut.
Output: 8:41:55
